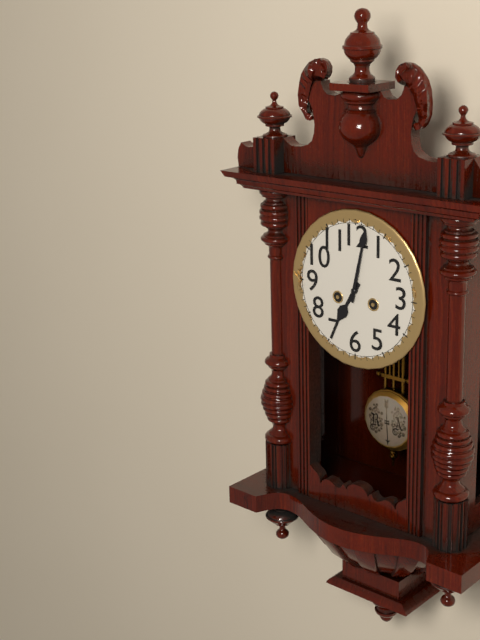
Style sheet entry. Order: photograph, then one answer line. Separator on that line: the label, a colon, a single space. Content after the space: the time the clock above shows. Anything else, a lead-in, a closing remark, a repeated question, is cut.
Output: 7:02
